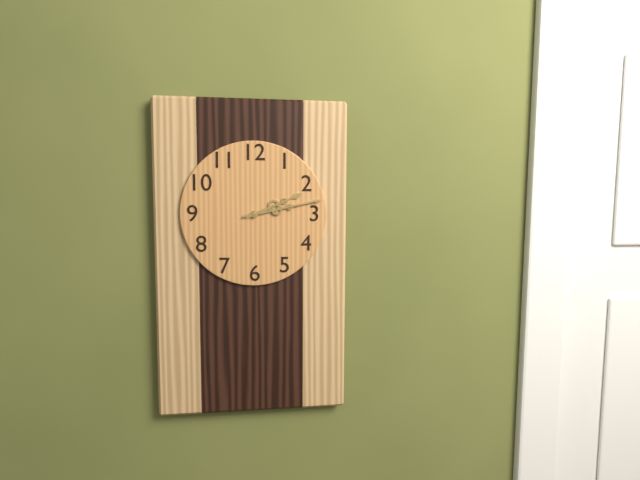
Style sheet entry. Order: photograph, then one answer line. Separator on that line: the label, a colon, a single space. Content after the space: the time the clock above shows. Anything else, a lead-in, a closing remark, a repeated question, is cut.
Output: 2:13
